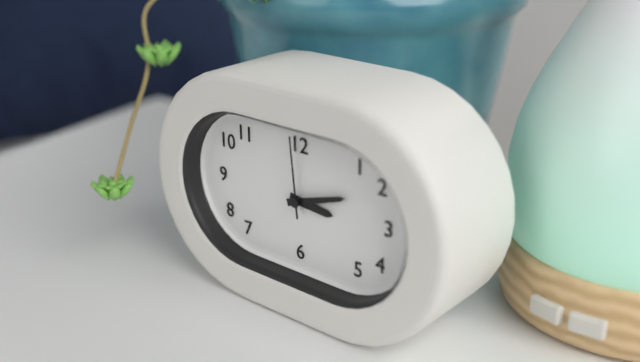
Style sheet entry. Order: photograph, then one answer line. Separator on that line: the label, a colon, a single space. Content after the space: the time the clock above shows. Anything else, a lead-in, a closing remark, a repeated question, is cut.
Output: 3:12:59
